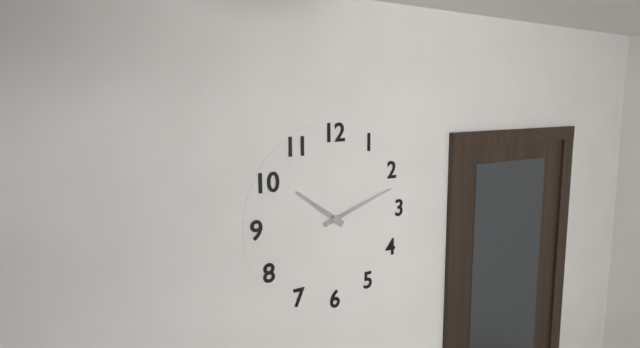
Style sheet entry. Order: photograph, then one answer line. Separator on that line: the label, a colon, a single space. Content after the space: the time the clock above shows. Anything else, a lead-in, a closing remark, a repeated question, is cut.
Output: 10:12
